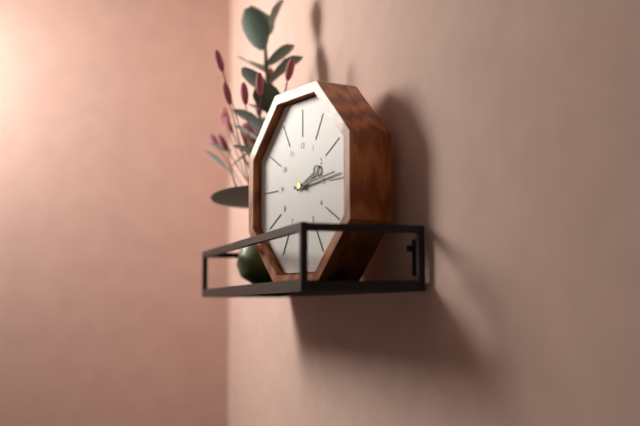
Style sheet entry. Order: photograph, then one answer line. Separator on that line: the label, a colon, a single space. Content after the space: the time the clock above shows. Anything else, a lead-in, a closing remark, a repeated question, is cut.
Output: 2:14
